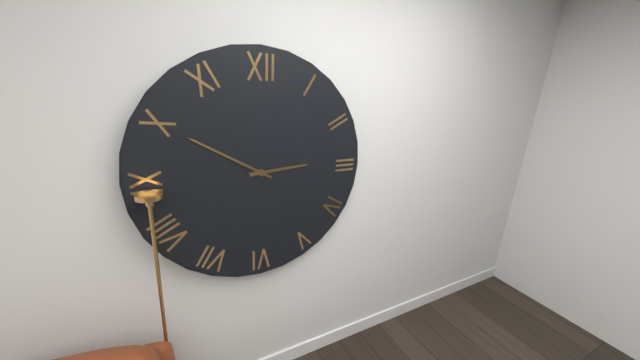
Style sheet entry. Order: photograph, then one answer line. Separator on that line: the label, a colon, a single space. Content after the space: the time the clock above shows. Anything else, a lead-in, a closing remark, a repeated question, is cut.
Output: 2:50
